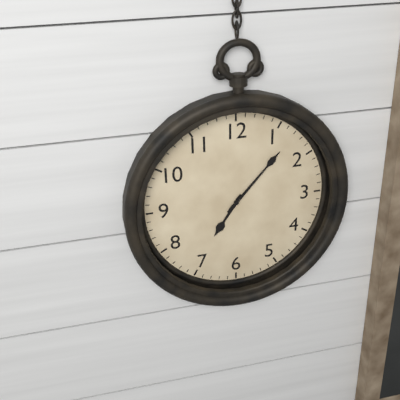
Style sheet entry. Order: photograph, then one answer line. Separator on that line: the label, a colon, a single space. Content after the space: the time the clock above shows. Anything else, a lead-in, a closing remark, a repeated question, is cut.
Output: 7:07
